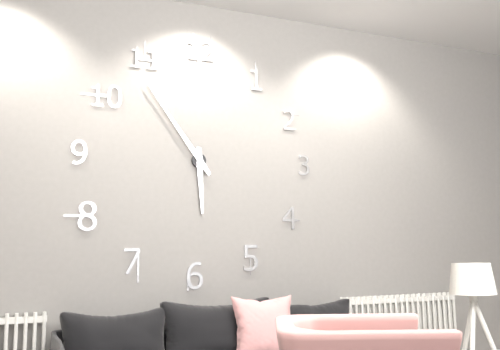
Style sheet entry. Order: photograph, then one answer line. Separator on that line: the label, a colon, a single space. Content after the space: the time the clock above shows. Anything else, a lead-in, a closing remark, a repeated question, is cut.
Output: 5:54
